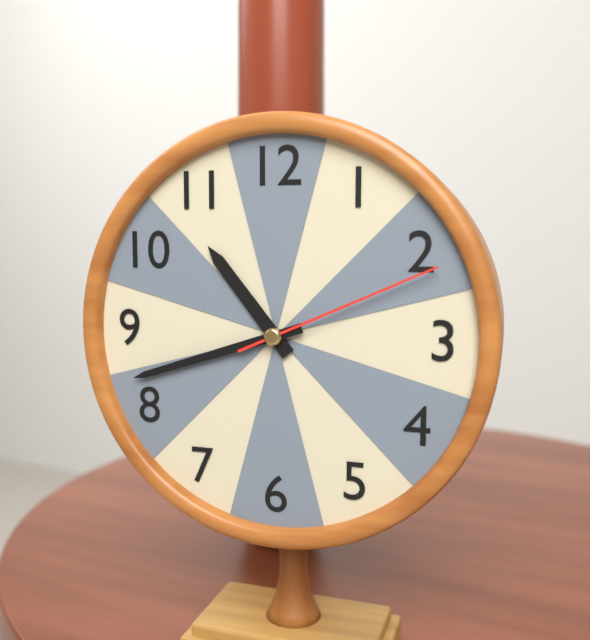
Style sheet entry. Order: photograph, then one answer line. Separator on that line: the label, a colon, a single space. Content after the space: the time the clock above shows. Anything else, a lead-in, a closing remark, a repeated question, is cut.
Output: 10:42:11
